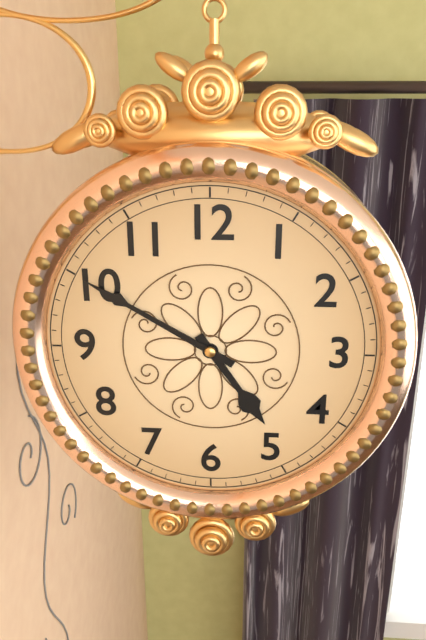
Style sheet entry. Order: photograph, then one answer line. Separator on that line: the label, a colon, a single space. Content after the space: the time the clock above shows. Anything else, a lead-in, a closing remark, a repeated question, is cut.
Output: 4:50
